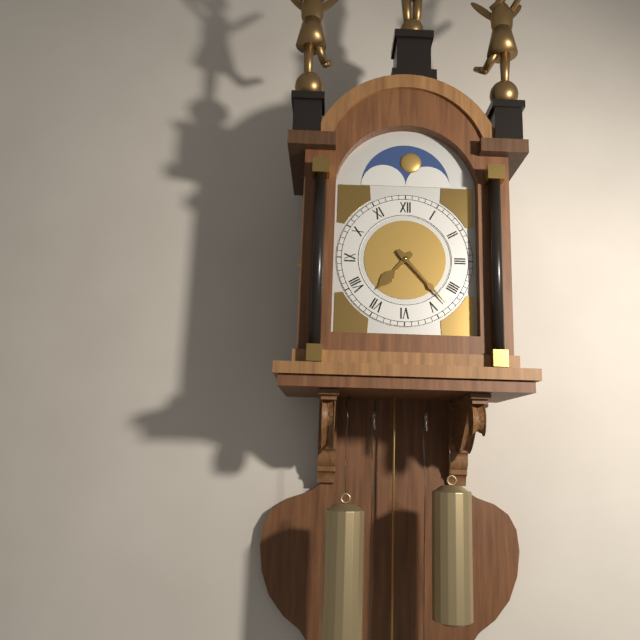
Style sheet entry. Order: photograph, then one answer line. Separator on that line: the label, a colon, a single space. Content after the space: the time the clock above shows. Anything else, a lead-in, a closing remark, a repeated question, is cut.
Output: 7:23
